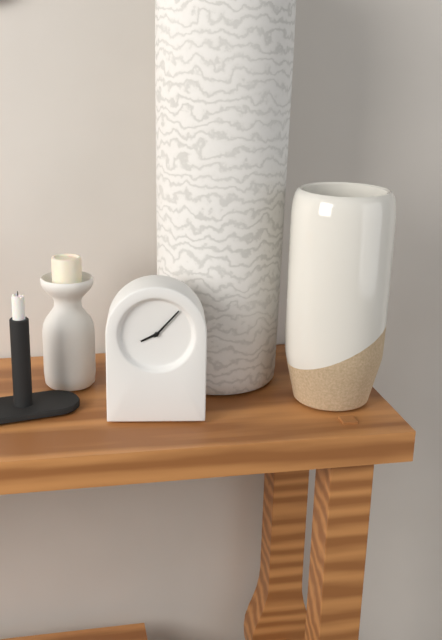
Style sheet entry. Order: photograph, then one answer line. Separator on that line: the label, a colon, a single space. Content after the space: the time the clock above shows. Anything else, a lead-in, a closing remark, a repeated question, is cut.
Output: 8:07
